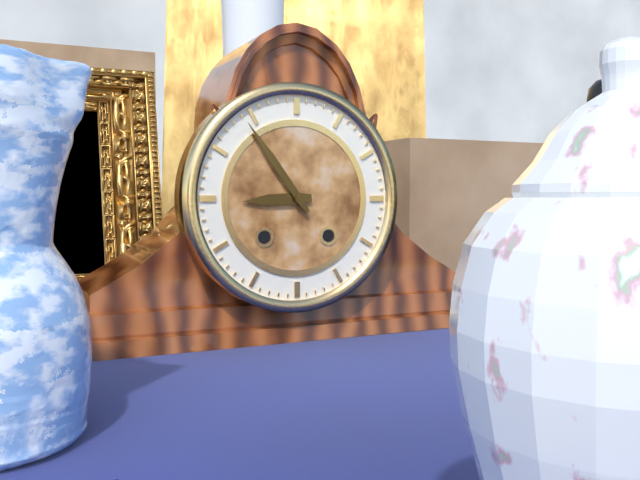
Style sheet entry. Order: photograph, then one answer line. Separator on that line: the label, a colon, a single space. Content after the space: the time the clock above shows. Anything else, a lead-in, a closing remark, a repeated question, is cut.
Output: 8:54
